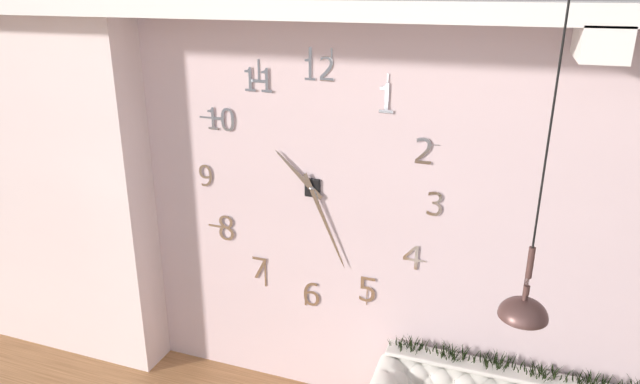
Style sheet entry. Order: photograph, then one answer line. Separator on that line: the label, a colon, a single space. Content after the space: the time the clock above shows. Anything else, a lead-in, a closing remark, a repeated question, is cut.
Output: 10:26
